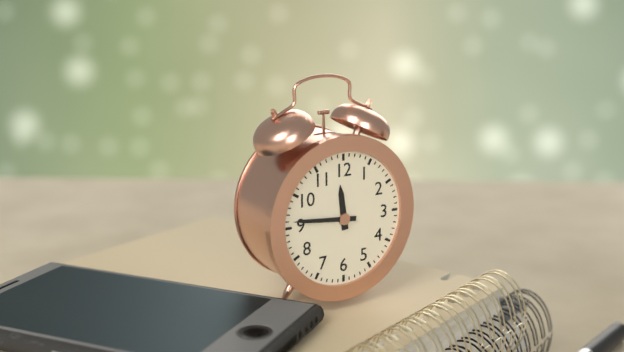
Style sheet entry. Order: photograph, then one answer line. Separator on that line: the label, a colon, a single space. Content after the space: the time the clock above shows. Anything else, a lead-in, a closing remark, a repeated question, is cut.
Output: 11:46
